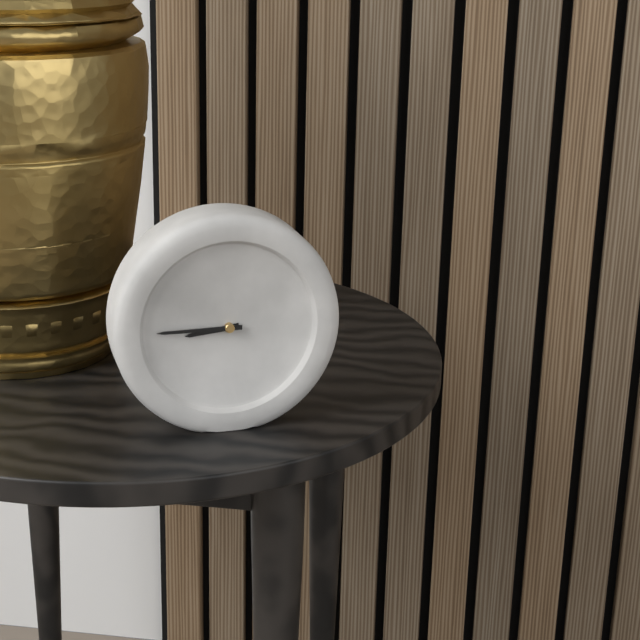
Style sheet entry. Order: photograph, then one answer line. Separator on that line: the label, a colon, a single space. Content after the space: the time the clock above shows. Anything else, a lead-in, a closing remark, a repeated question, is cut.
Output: 8:45
